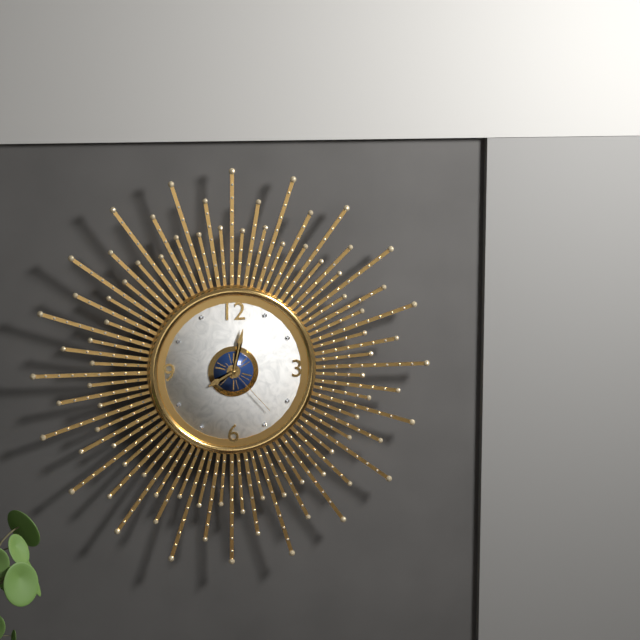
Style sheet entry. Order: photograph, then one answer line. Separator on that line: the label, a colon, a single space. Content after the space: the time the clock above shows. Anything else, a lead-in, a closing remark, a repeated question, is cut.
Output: 8:02:23
